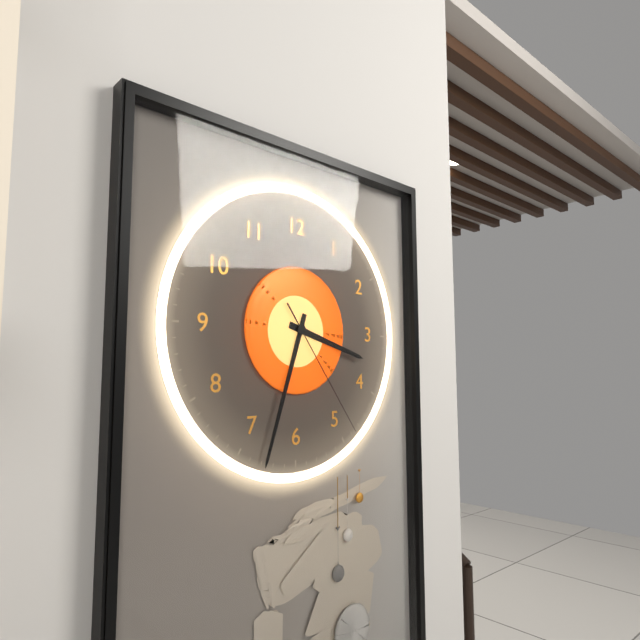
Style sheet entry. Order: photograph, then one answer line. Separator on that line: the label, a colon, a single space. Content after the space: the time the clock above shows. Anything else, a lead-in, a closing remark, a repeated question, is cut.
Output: 3:33:24
